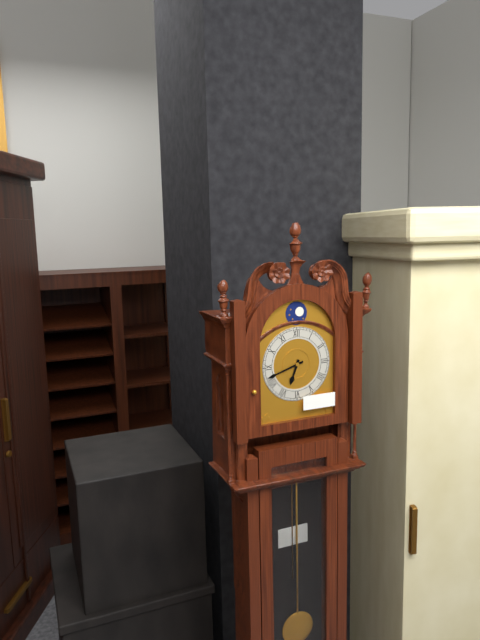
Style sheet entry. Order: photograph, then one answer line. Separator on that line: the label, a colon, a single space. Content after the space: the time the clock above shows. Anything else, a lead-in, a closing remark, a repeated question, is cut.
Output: 6:42
